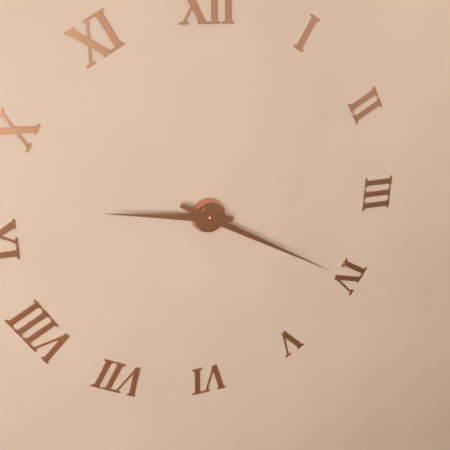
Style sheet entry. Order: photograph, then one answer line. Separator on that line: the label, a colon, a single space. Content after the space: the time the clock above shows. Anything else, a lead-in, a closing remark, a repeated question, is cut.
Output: 9:20
